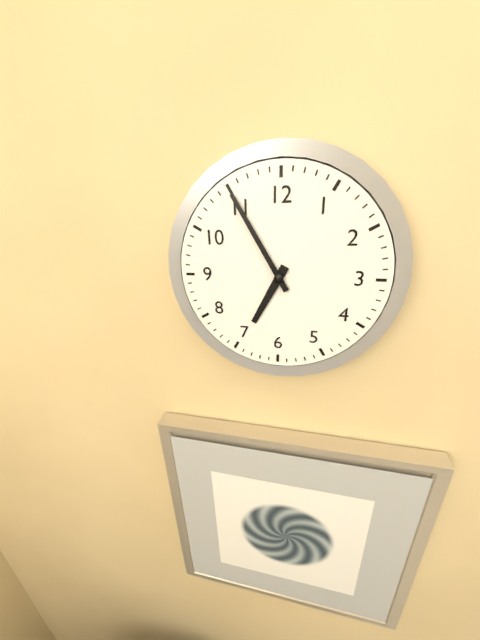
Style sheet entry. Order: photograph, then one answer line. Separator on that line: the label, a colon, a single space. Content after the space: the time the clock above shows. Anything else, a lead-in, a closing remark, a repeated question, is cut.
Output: 6:55
